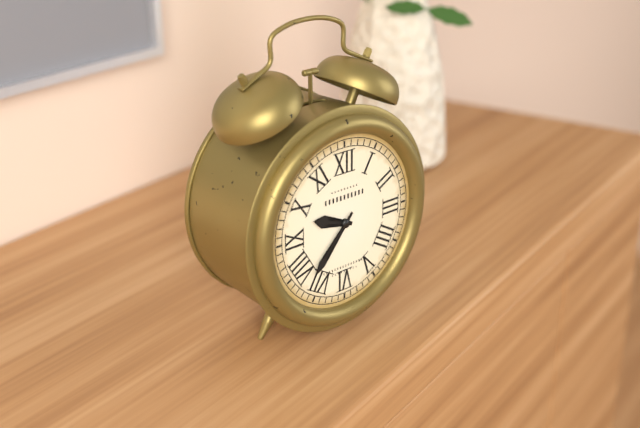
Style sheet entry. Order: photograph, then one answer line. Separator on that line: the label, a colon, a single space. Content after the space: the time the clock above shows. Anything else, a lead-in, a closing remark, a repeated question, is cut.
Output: 9:37
